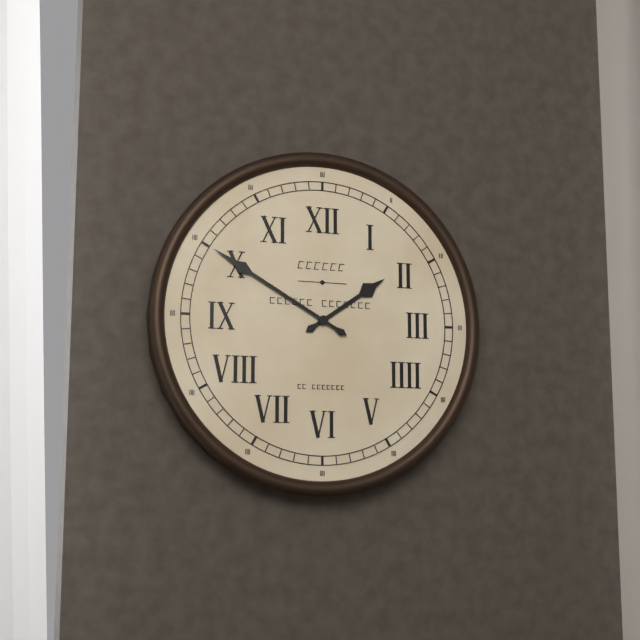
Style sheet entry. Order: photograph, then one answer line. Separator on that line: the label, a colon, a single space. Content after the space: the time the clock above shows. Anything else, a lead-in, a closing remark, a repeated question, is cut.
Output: 1:50
